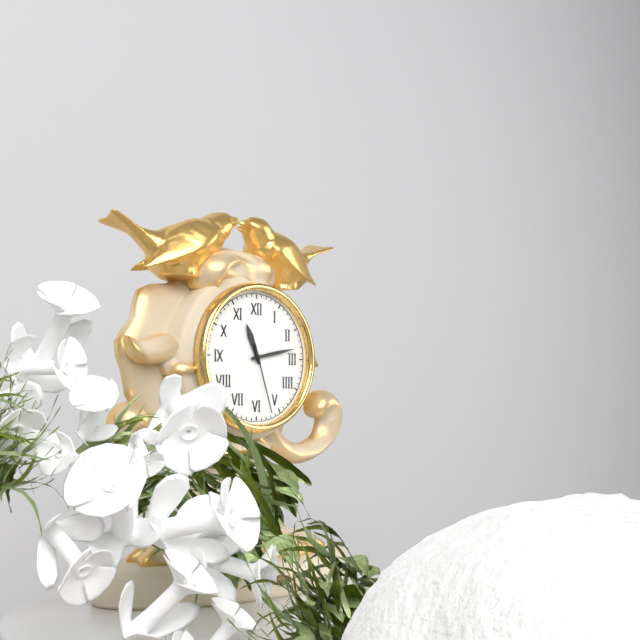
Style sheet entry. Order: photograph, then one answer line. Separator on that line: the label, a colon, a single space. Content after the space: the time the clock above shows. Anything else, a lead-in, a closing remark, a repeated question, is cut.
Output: 11:13:27
